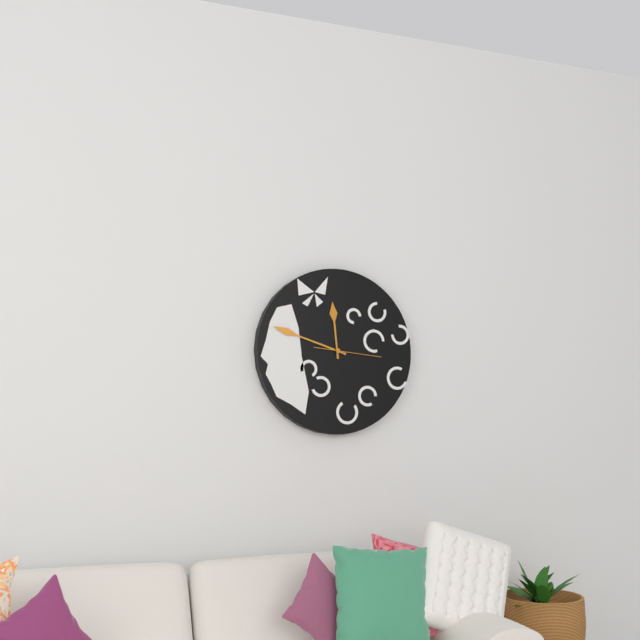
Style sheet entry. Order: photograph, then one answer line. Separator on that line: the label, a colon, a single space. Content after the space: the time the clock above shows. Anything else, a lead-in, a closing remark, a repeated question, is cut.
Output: 11:48:16
